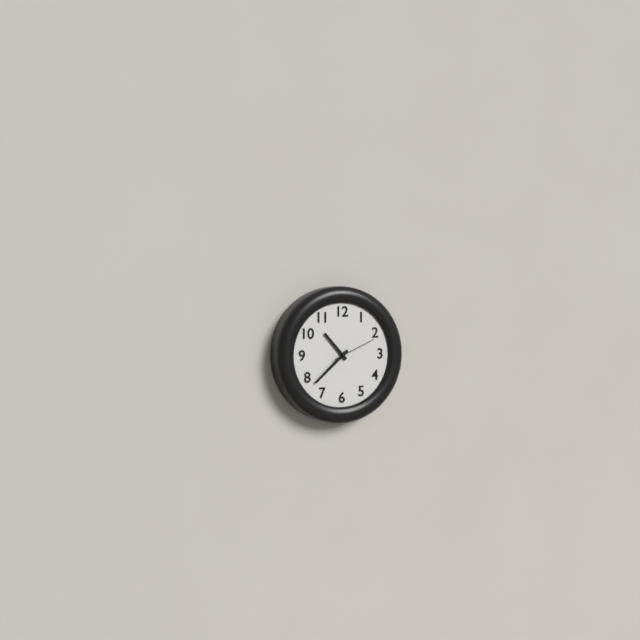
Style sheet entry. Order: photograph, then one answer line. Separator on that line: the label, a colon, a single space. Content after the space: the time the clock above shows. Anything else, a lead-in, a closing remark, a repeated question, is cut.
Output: 10:38
